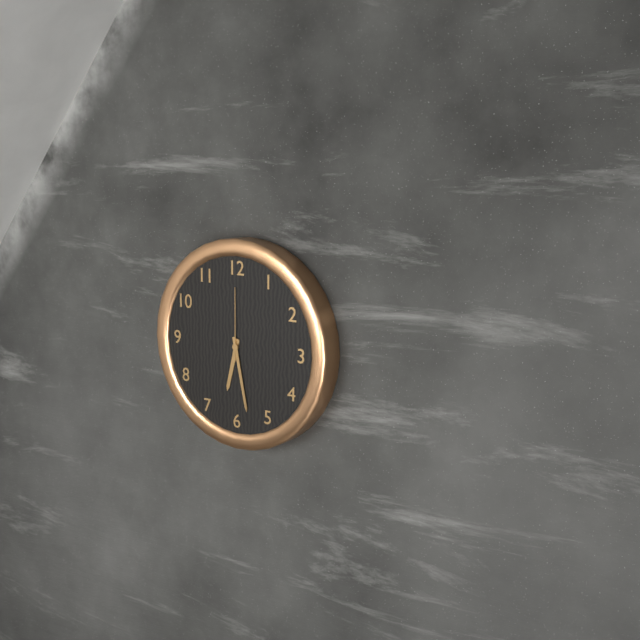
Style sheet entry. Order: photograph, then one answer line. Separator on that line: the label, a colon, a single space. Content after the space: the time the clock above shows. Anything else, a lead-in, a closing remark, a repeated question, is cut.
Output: 6:28:00
